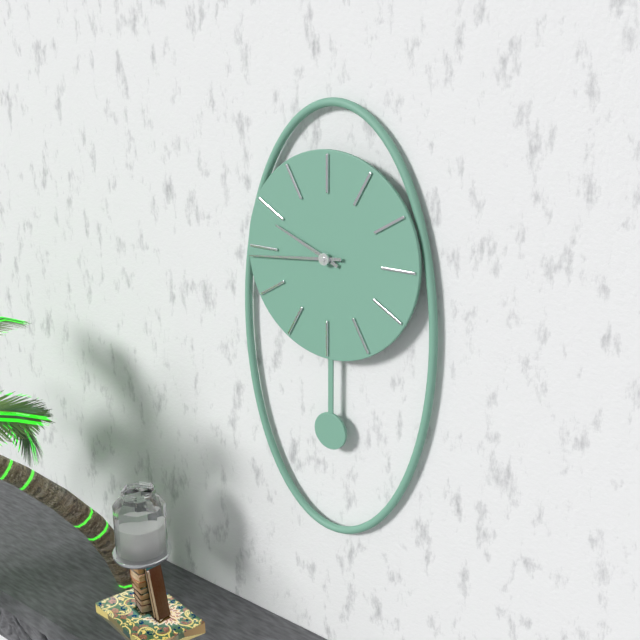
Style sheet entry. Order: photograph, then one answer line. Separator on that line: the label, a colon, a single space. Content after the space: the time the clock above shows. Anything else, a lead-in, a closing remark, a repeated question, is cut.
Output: 9:44
